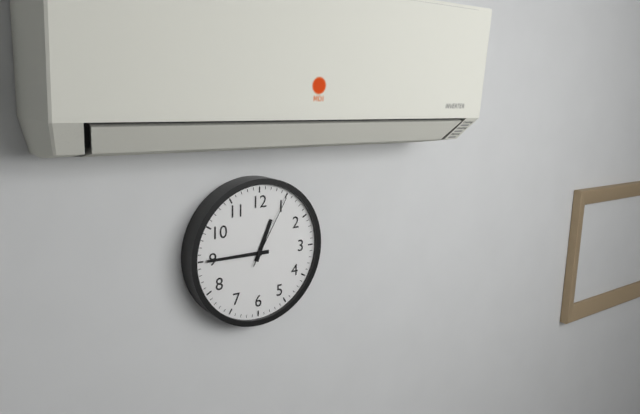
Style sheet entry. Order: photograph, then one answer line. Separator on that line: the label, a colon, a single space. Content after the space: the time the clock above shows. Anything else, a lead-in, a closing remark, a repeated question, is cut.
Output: 12:45:05
